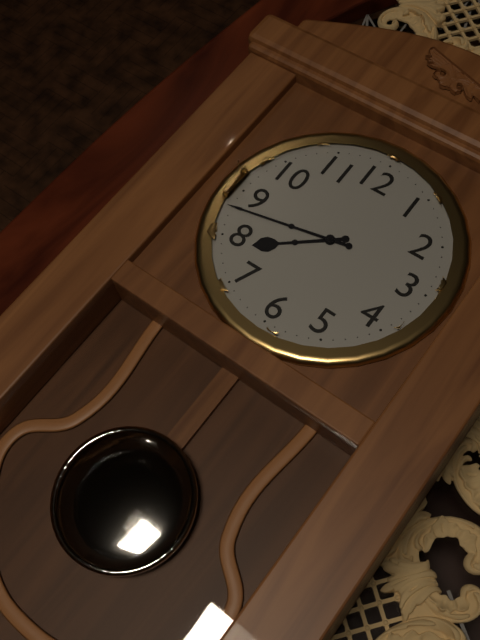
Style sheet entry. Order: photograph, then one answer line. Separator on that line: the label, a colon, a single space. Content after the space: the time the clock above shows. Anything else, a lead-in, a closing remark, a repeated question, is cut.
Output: 7:43
